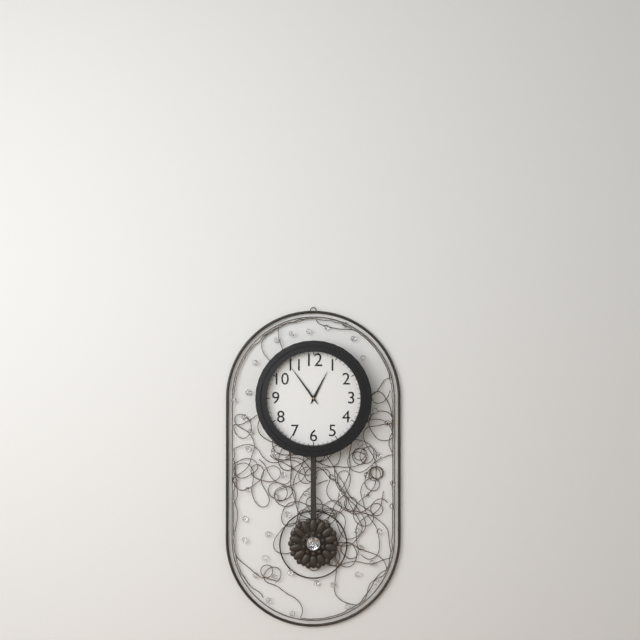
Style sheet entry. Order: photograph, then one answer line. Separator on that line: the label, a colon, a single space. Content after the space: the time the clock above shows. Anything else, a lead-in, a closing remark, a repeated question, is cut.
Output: 12:54
